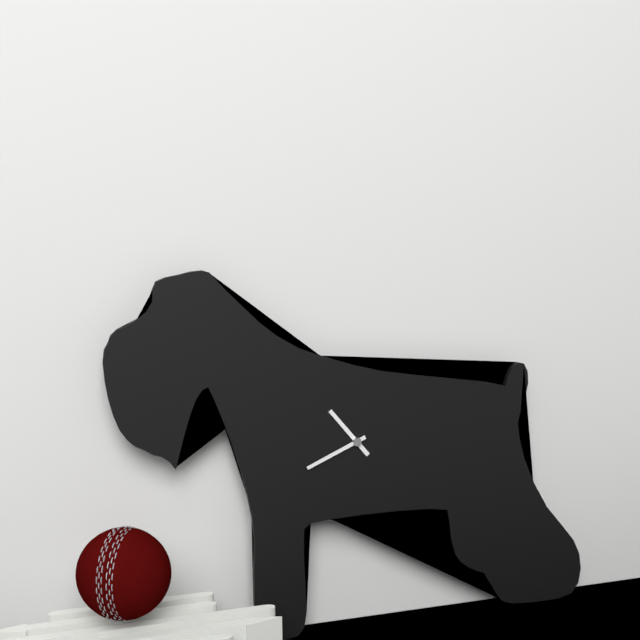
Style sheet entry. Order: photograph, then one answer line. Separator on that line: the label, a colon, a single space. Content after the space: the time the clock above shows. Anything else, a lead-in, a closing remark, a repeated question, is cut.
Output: 10:41
